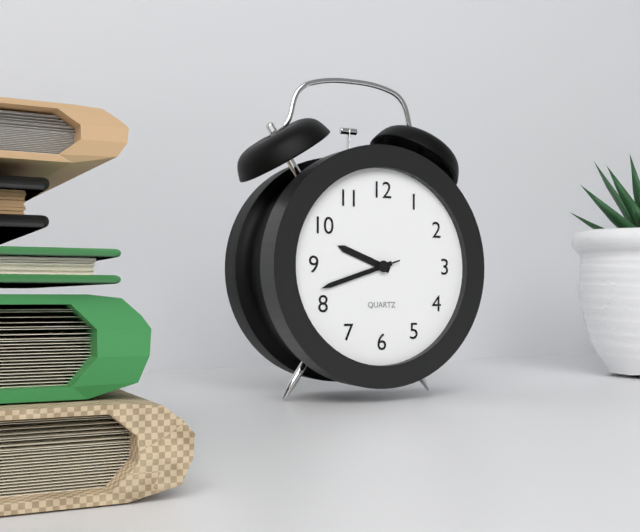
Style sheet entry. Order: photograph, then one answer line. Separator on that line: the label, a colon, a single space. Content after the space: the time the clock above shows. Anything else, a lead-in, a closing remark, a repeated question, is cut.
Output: 9:42:42
